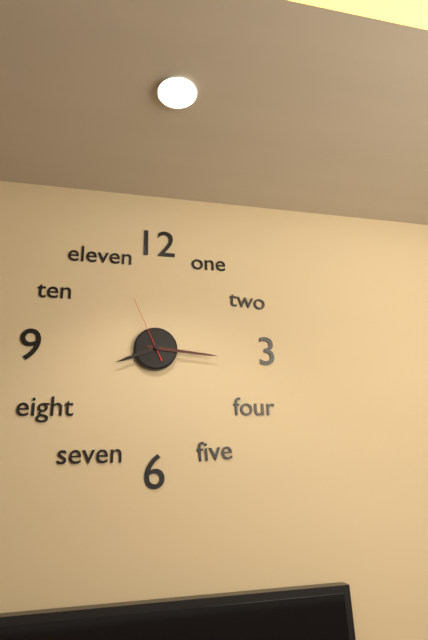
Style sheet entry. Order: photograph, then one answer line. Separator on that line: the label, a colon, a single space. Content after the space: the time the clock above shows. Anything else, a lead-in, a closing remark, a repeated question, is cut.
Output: 8:16:56
